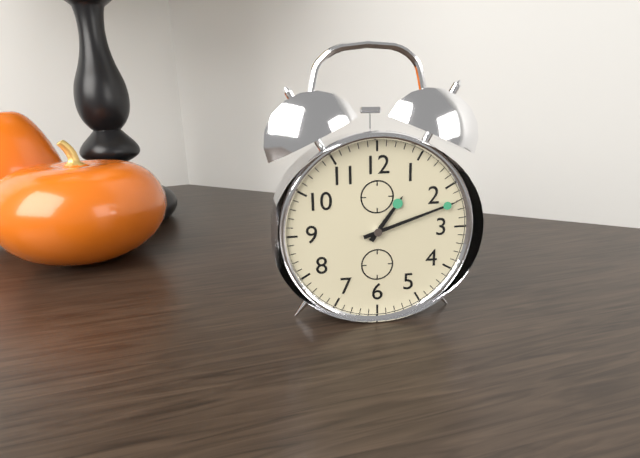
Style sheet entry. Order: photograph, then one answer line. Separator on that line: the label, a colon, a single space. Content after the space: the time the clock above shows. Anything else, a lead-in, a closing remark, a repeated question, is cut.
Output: 1:12
